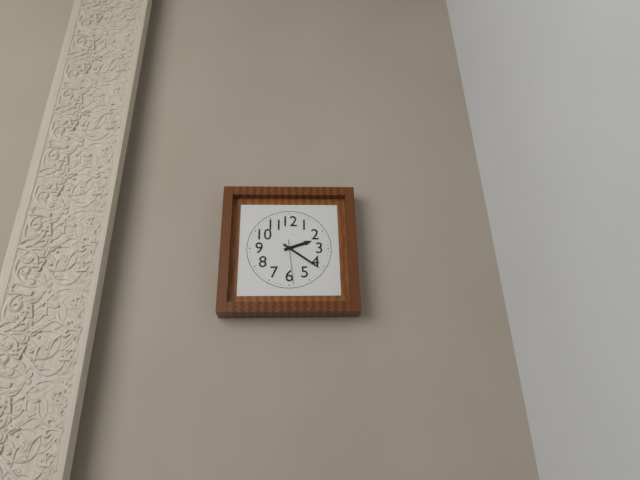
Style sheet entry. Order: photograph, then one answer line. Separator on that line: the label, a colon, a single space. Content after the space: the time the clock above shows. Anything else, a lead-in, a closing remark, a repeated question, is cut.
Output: 2:21
